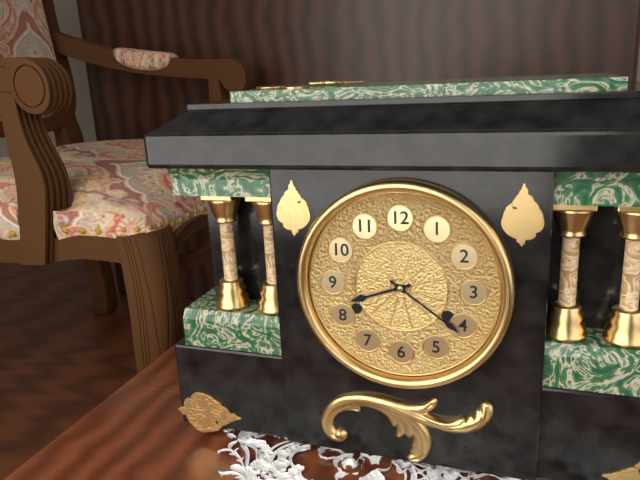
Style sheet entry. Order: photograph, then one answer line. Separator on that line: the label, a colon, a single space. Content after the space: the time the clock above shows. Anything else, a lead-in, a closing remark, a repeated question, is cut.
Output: 8:21
